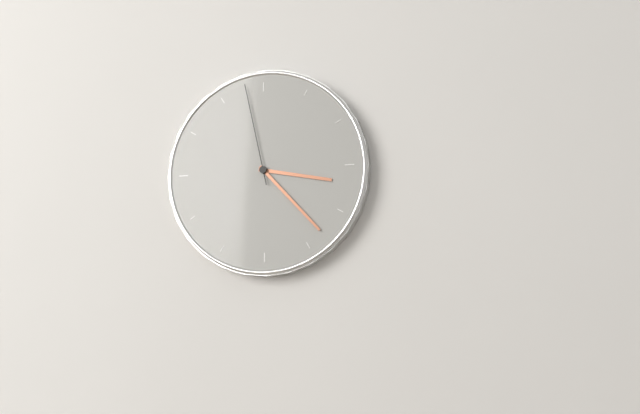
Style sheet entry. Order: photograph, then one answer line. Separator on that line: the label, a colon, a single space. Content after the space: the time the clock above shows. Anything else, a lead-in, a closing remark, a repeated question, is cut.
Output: 3:23:58
